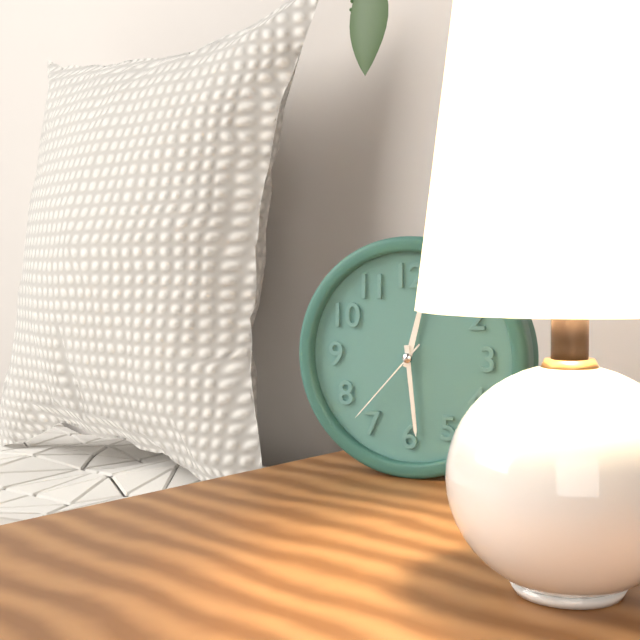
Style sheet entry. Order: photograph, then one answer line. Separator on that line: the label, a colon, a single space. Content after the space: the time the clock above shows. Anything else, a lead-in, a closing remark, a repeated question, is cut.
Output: 12:29:37
